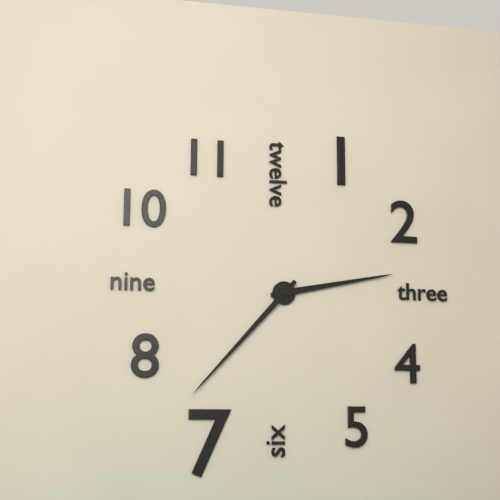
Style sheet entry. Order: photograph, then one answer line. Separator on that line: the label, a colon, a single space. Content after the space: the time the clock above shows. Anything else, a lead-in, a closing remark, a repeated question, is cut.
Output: 2:37
